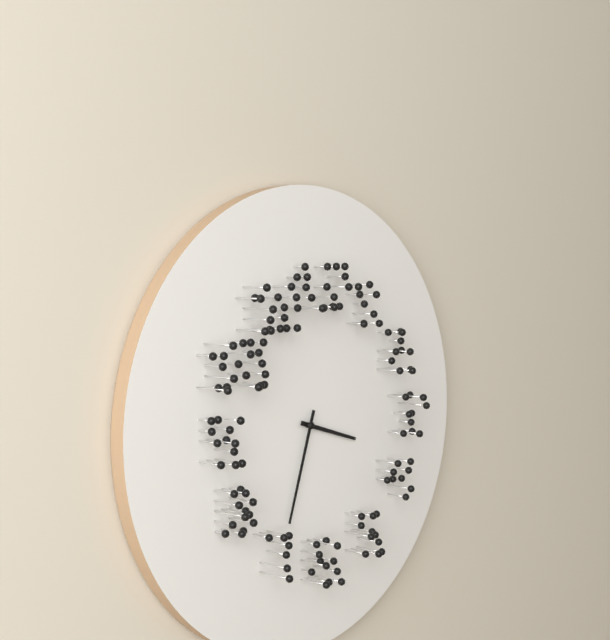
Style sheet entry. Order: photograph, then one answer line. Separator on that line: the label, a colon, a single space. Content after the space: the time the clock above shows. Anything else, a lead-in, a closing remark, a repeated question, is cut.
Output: 3:33
